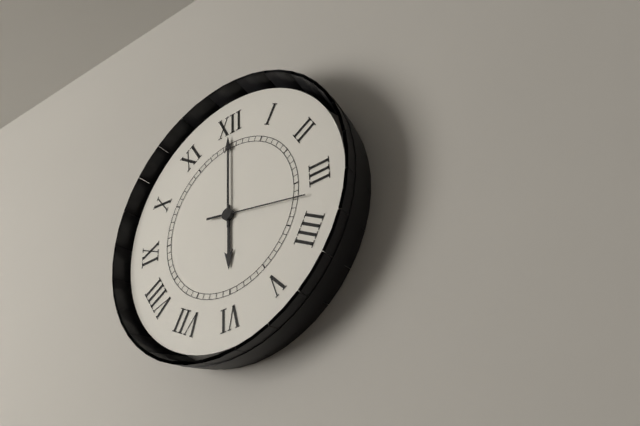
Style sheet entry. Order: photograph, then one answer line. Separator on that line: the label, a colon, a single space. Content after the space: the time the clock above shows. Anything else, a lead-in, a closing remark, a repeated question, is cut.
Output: 6:00:17
